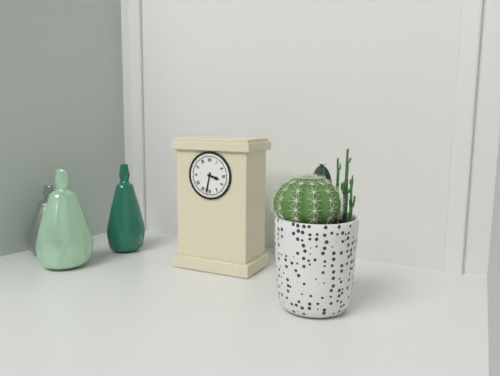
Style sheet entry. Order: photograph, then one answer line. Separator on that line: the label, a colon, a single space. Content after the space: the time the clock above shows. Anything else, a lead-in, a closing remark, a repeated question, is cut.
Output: 3:32
